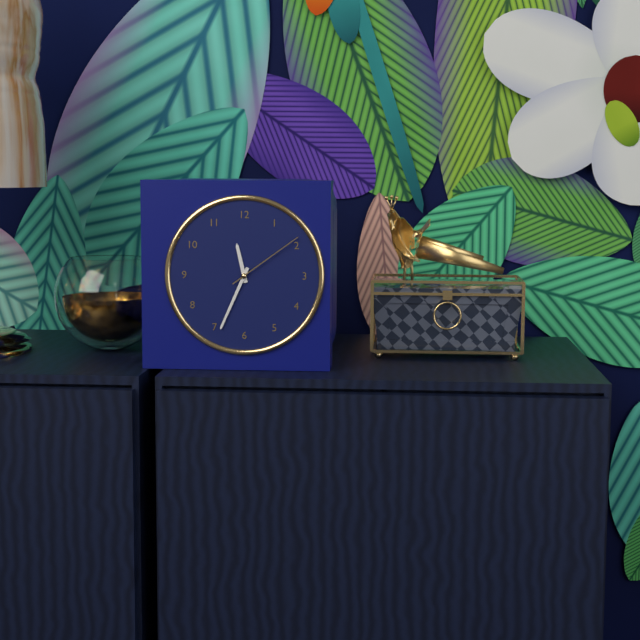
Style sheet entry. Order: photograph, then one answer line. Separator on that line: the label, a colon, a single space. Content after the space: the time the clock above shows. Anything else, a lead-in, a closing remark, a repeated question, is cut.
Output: 11:34:09
